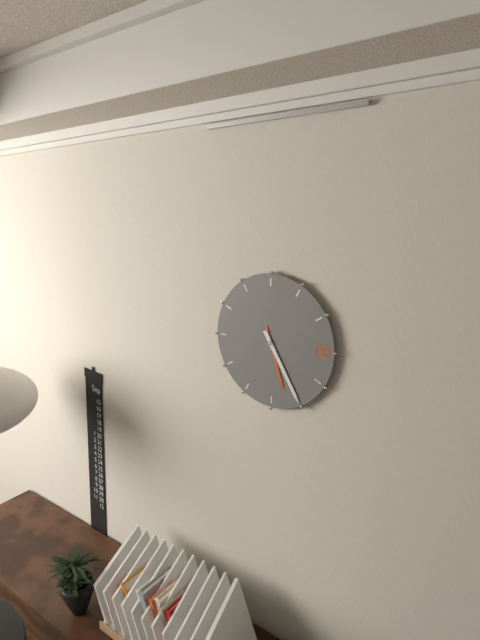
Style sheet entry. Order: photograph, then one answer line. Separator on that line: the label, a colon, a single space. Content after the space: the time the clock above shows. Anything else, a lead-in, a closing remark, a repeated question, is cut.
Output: 5:25
